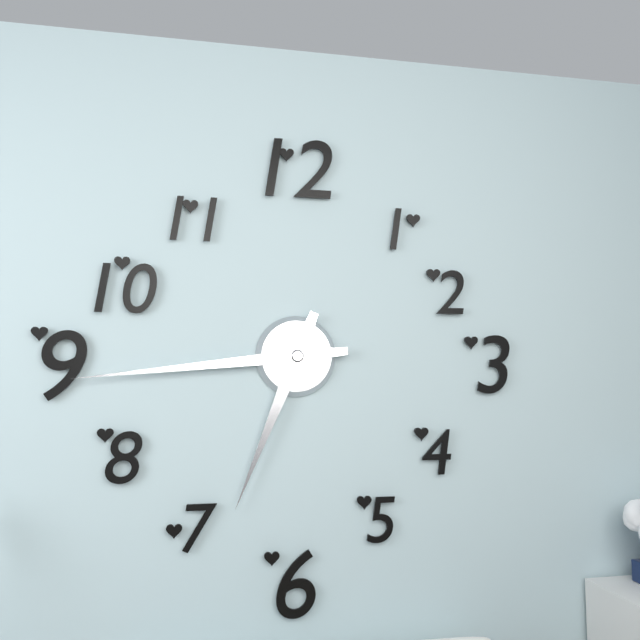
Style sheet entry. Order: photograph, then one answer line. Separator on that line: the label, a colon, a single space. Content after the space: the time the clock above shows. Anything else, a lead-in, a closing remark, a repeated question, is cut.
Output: 6:44
